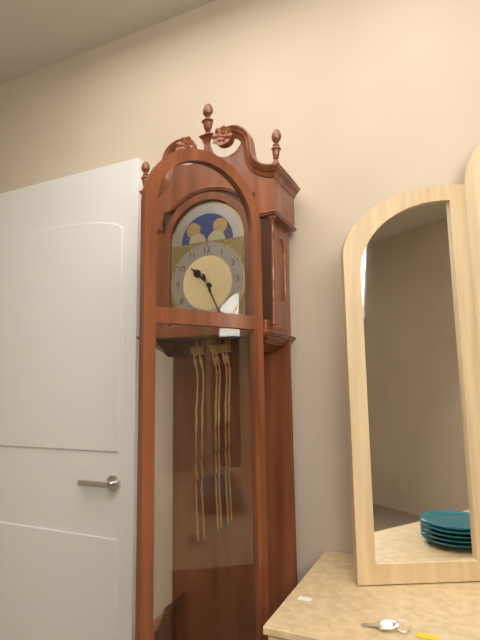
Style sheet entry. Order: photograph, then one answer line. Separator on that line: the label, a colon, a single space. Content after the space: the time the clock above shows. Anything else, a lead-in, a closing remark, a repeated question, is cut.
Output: 10:26
